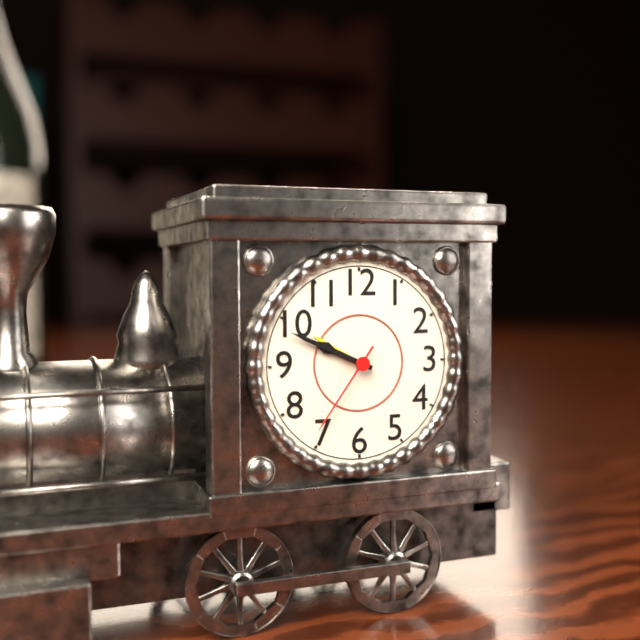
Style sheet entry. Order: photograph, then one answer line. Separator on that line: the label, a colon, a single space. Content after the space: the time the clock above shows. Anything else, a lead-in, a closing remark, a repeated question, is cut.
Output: 9:49:36
